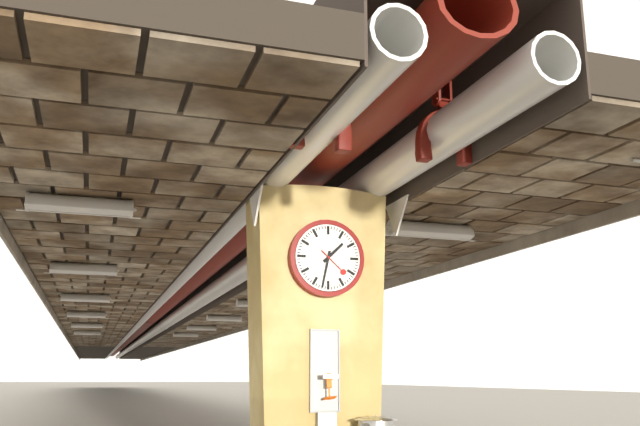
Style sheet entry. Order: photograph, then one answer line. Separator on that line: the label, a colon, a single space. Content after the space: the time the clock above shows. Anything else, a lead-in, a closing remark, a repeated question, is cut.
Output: 1:32
